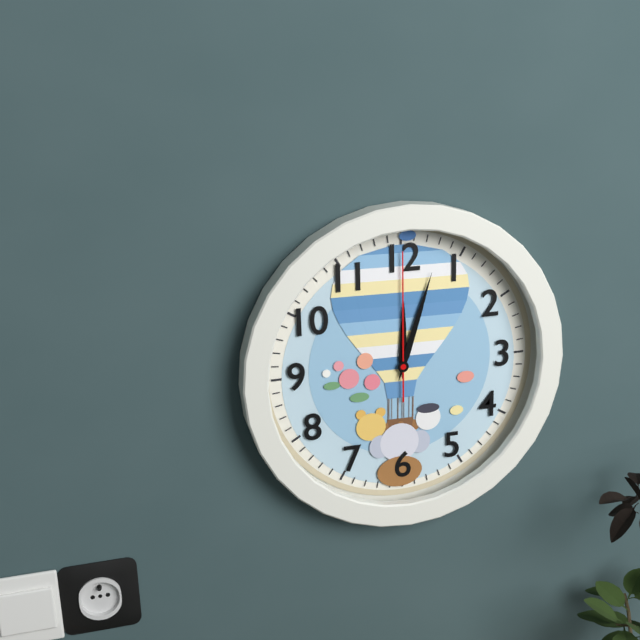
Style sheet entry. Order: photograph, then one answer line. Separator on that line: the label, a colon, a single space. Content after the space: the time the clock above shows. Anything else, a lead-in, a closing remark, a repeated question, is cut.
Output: 12:03:00
